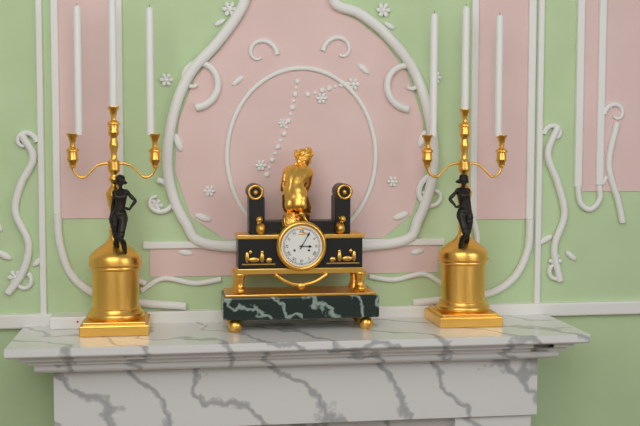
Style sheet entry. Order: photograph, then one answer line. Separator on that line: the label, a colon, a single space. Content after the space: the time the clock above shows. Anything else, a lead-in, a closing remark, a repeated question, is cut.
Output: 3:05
